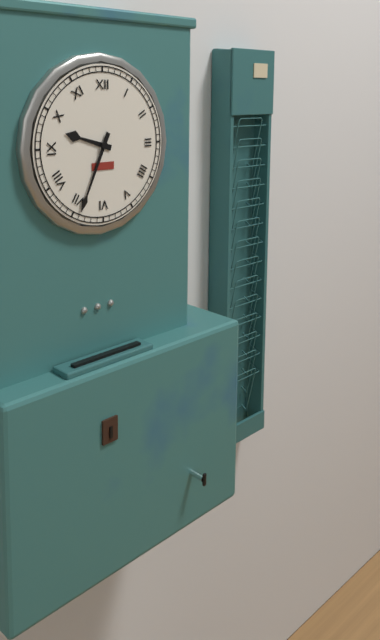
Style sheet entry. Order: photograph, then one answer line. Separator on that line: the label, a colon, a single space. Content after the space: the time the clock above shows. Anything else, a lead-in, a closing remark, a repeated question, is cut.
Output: 9:34
